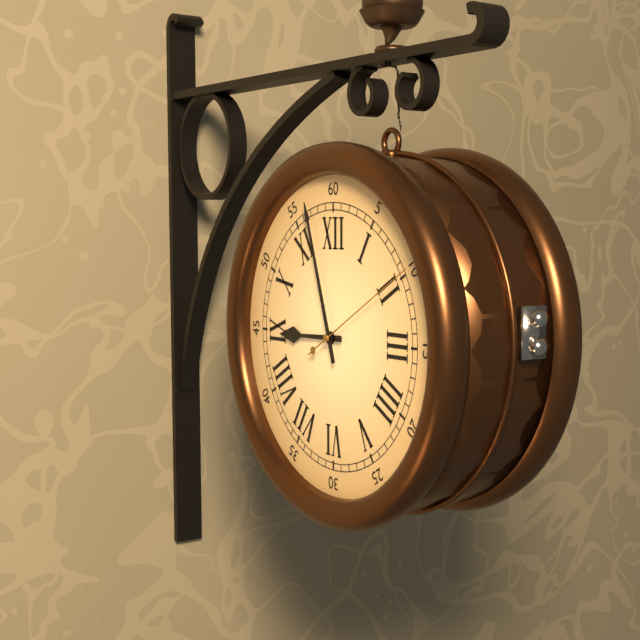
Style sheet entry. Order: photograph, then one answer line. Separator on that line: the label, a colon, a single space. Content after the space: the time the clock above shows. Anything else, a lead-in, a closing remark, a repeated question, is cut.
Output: 8:57:10
